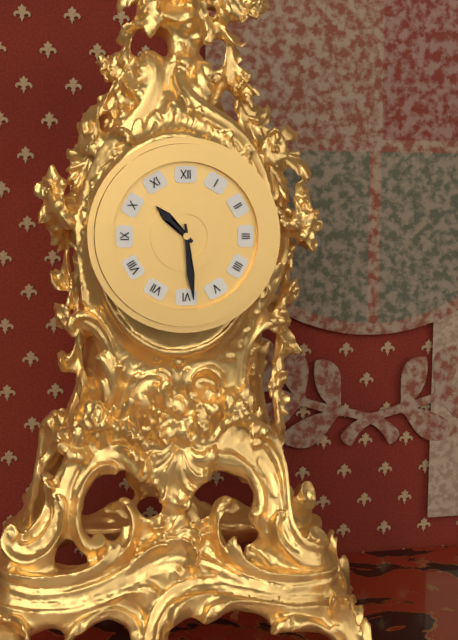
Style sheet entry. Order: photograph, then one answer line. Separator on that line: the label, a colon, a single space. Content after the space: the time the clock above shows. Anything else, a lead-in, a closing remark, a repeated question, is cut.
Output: 10:29
